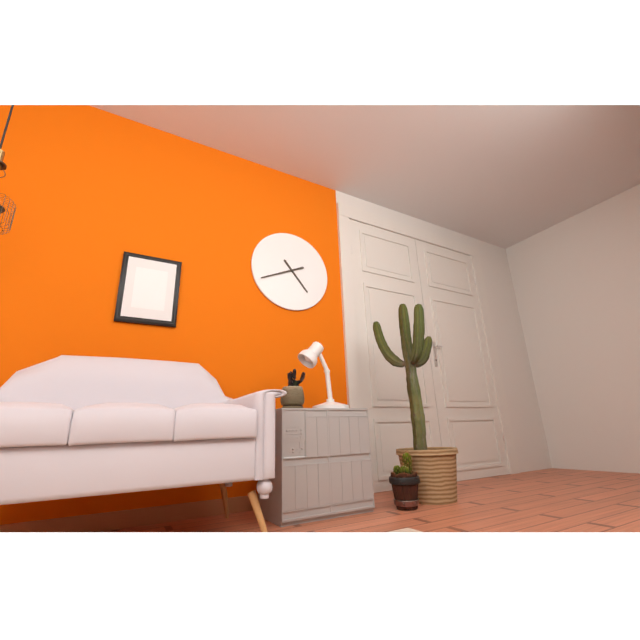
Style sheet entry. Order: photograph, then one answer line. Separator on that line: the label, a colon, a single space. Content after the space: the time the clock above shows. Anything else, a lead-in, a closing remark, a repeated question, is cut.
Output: 4:41
